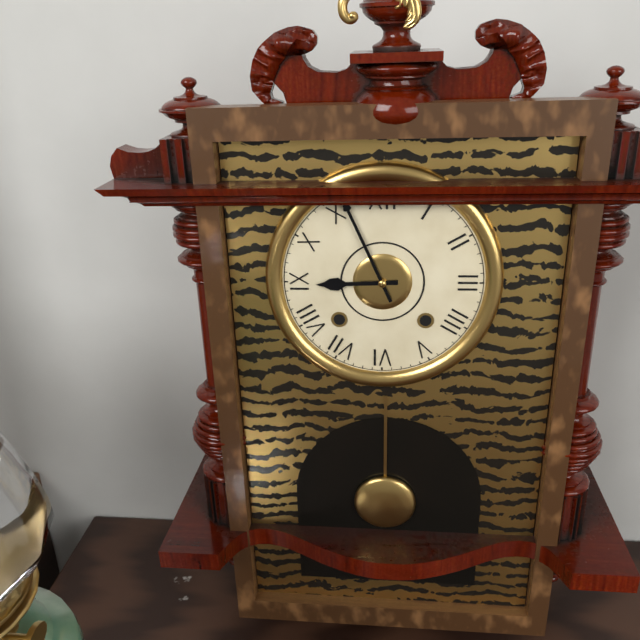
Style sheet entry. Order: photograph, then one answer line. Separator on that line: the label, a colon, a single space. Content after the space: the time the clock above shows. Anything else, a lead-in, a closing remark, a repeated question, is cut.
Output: 8:56
